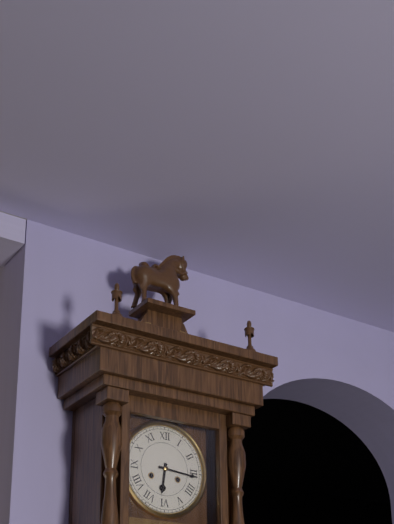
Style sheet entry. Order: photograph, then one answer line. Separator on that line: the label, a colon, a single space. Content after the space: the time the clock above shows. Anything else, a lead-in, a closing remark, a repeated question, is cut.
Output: 6:16
